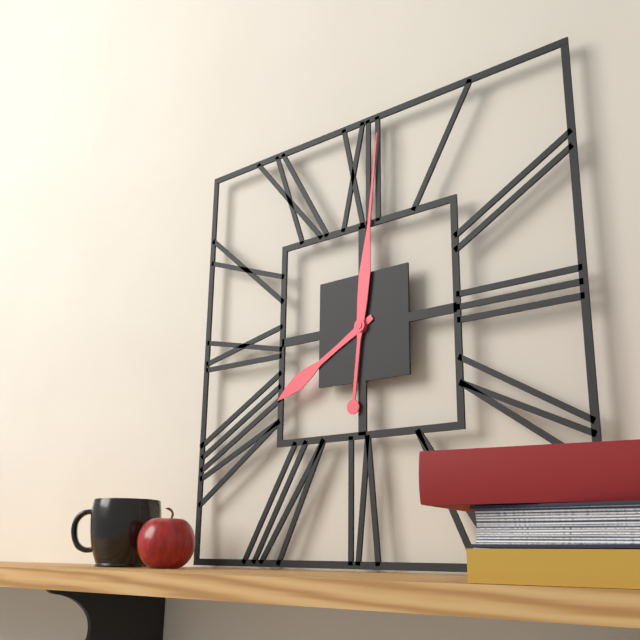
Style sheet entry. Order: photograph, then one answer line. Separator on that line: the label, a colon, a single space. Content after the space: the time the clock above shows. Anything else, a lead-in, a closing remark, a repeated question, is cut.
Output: 8:01
